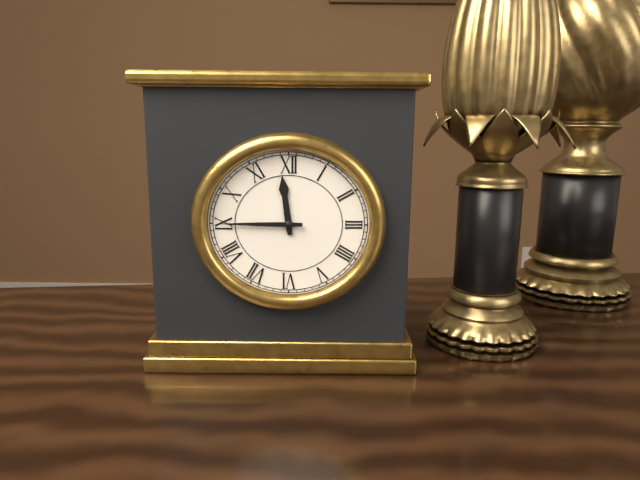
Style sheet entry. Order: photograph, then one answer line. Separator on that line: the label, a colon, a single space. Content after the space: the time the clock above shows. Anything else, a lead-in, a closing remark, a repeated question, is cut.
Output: 11:45
